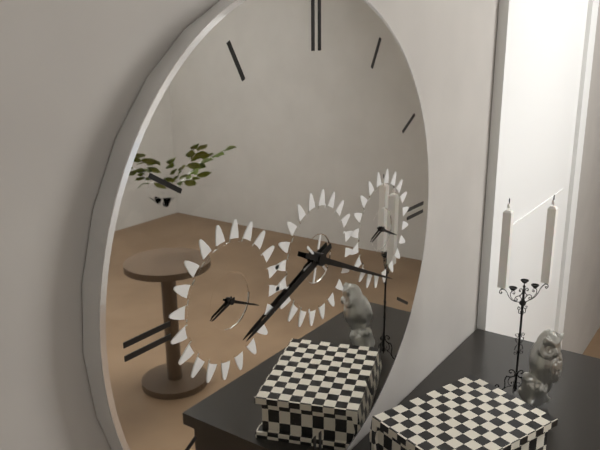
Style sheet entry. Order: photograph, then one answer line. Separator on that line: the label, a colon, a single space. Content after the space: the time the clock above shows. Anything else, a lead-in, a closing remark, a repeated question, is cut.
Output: 8:19
